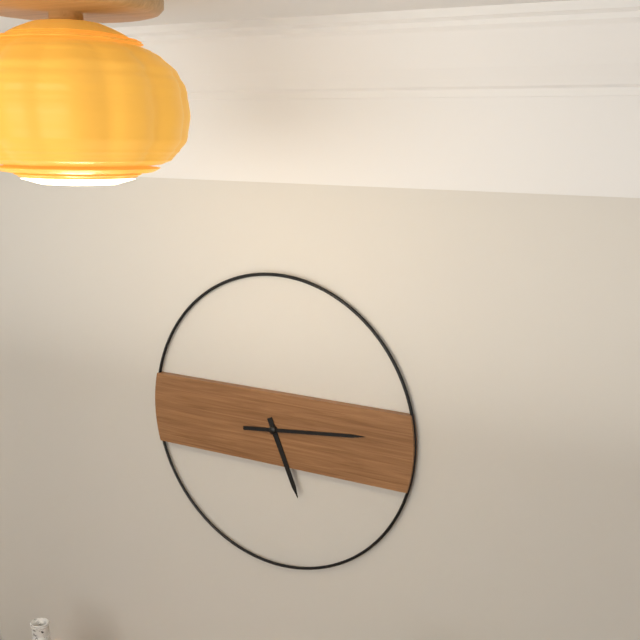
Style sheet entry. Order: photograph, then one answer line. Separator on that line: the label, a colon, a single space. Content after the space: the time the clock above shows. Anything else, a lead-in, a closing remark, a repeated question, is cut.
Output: 5:14
